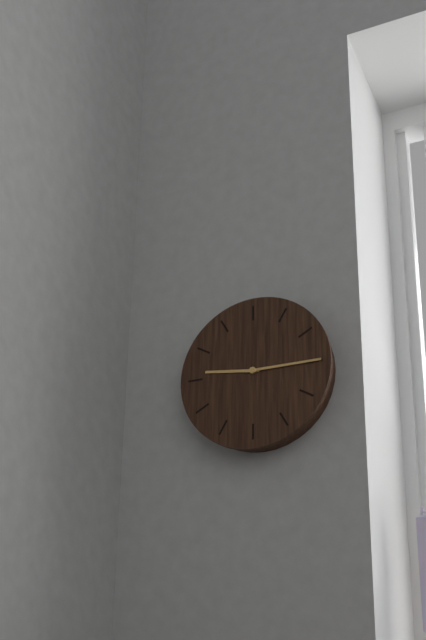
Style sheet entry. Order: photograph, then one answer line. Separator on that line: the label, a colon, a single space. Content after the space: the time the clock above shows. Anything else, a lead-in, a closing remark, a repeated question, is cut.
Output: 9:15
